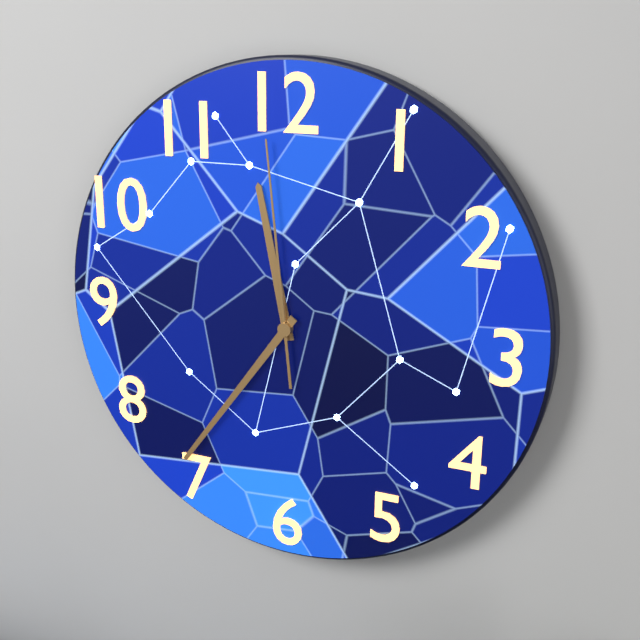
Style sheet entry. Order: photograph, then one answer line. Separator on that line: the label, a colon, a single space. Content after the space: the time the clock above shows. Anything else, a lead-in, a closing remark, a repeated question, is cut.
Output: 11:36:59
